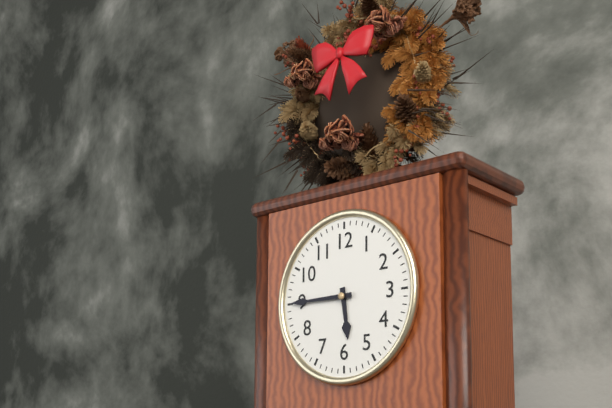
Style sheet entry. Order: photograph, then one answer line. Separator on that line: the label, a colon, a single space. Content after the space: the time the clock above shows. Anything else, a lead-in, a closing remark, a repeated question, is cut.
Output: 5:45
